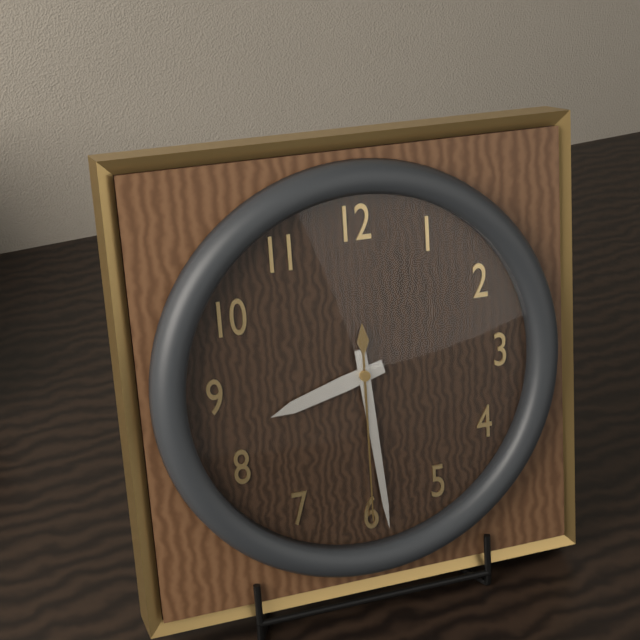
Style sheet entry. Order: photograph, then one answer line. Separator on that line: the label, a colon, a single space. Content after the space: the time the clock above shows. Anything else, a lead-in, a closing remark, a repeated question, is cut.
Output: 8:29:30
